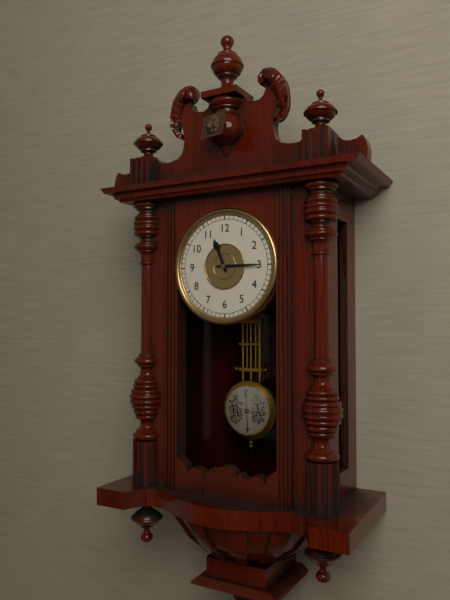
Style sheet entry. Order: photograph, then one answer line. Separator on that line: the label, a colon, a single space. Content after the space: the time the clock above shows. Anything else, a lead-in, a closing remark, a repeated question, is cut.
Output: 11:15
